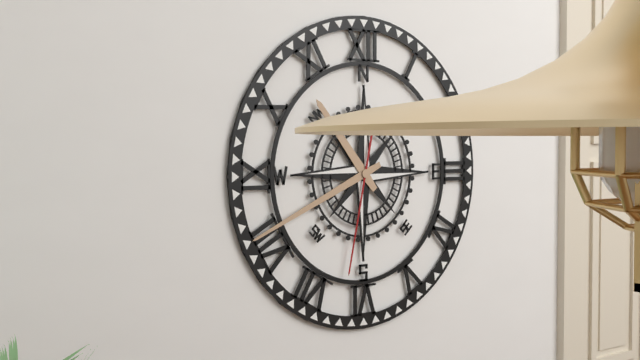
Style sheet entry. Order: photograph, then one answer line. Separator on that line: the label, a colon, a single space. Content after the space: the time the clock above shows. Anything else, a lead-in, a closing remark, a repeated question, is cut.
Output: 10:41:32
